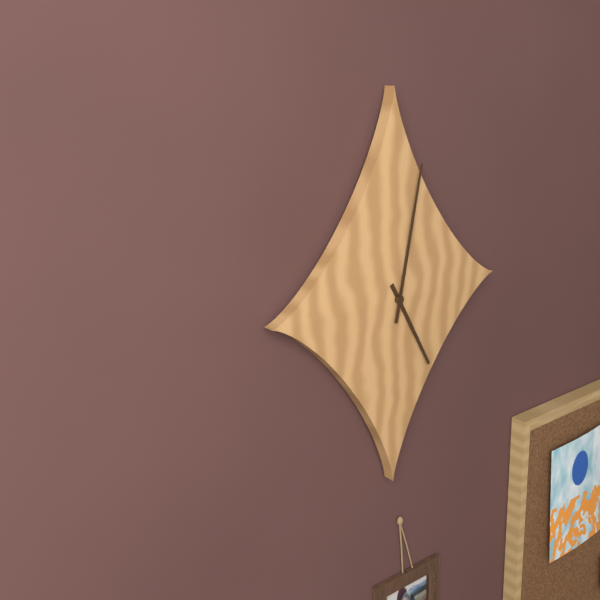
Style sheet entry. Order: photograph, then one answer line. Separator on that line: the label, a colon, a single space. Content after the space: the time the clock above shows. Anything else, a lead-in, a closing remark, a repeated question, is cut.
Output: 5:02
